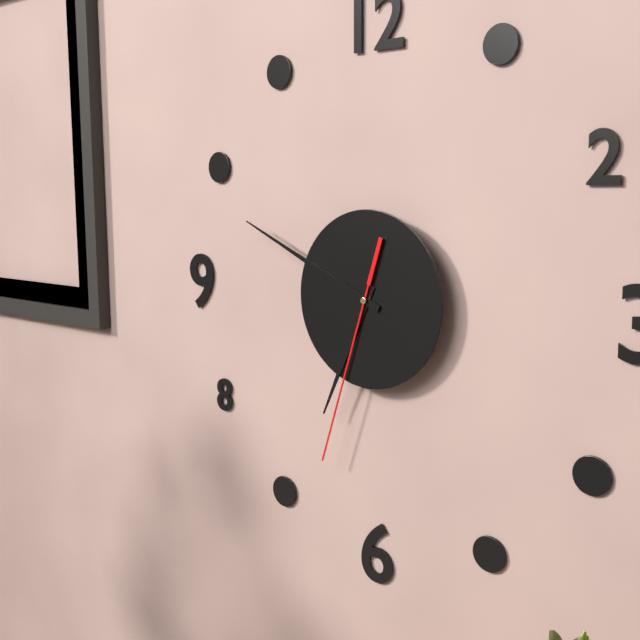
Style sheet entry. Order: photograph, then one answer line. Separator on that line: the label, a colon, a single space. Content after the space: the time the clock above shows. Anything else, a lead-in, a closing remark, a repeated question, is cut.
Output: 6:49:33
